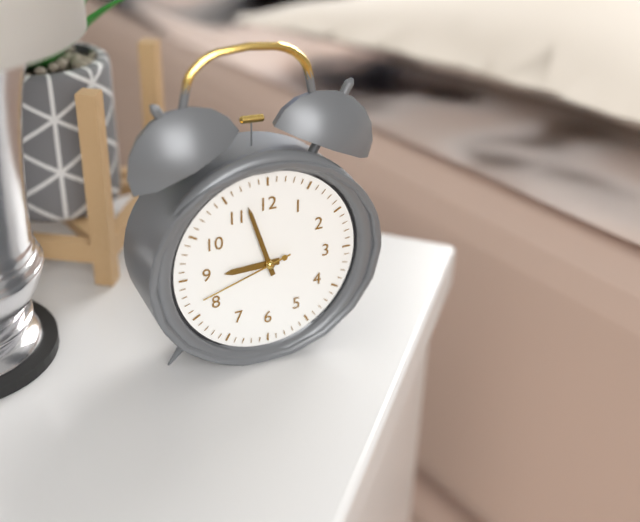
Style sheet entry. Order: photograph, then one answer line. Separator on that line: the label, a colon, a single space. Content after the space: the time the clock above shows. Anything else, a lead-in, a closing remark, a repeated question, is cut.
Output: 8:57:42
